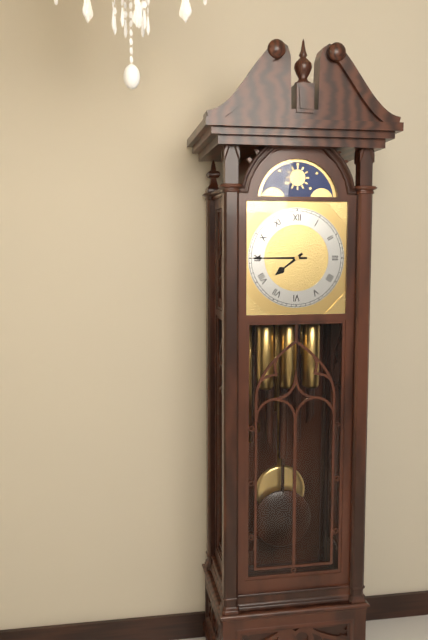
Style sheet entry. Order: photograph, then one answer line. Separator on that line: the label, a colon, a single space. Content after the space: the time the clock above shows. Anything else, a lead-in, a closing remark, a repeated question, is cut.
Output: 7:45
